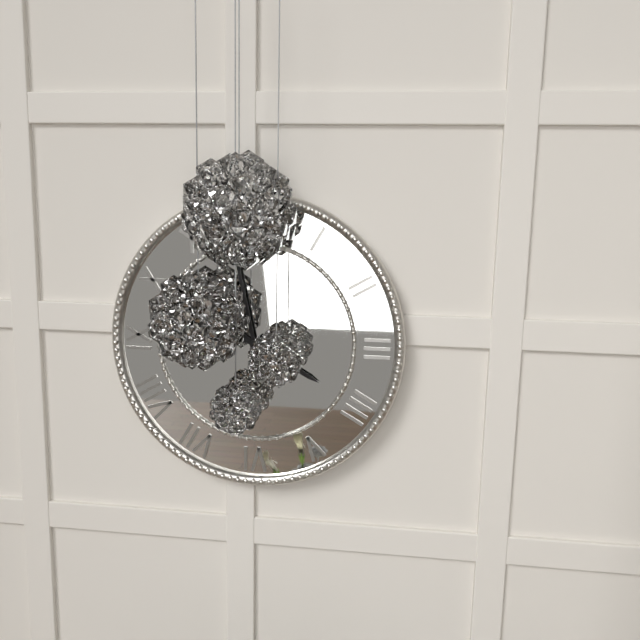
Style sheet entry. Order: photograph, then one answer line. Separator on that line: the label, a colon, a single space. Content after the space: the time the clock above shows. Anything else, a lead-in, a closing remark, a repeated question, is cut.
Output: 3:58
